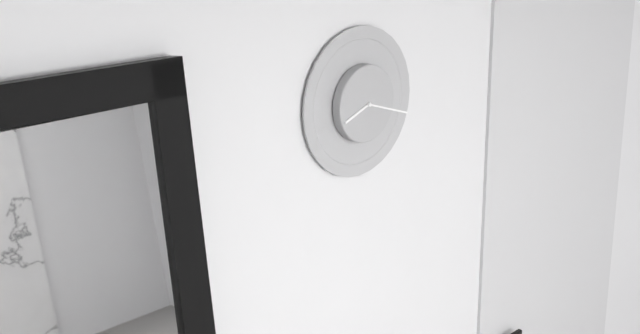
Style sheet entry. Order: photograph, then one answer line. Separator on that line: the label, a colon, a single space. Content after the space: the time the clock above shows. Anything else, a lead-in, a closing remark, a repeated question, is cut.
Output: 8:18
